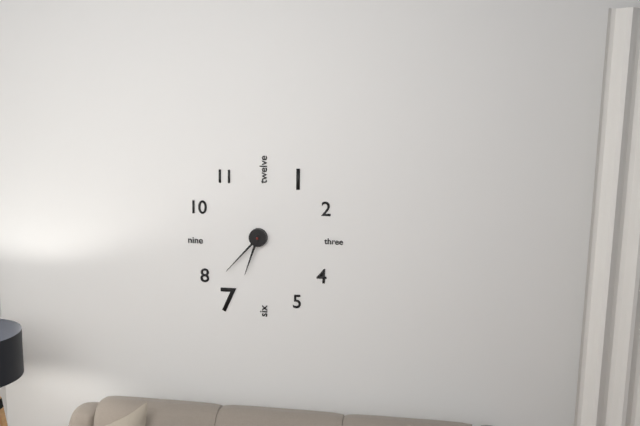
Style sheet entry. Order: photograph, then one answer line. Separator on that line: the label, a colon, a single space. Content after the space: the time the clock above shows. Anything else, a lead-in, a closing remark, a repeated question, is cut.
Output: 6:37
